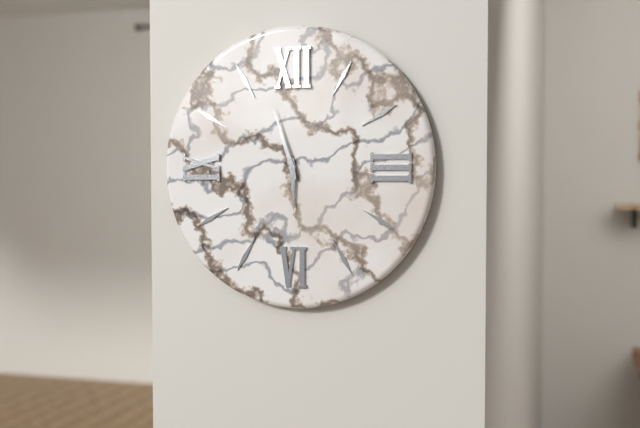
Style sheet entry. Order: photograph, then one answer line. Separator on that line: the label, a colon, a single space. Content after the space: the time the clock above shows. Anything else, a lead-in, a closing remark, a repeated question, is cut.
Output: 5:57
